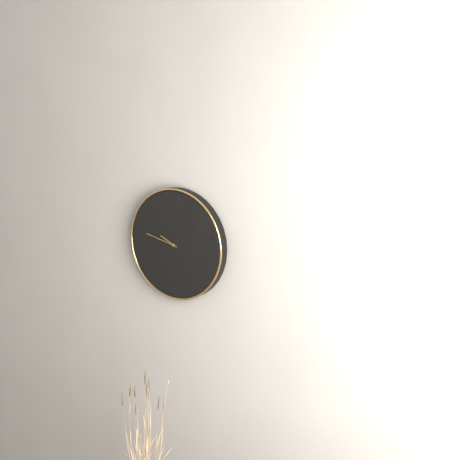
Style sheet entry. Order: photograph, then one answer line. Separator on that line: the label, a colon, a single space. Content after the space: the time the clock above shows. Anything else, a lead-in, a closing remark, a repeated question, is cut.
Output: 9:47
